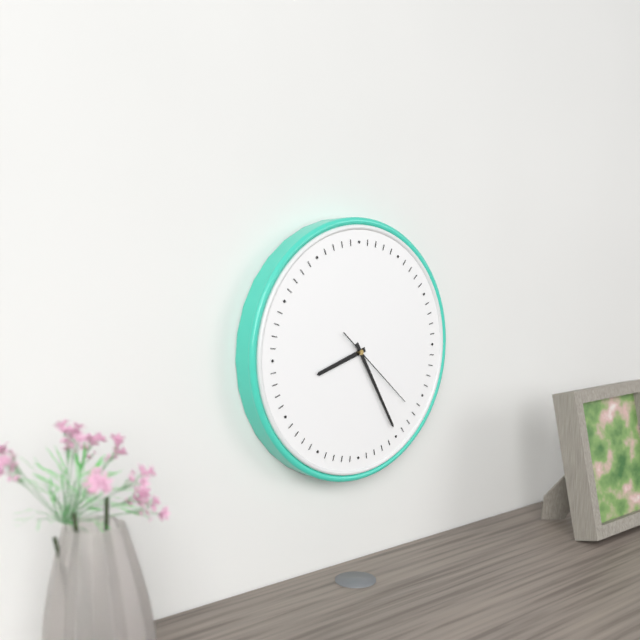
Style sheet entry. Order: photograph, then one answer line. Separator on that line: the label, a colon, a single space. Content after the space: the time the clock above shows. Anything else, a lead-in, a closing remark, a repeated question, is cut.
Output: 8:25:22
